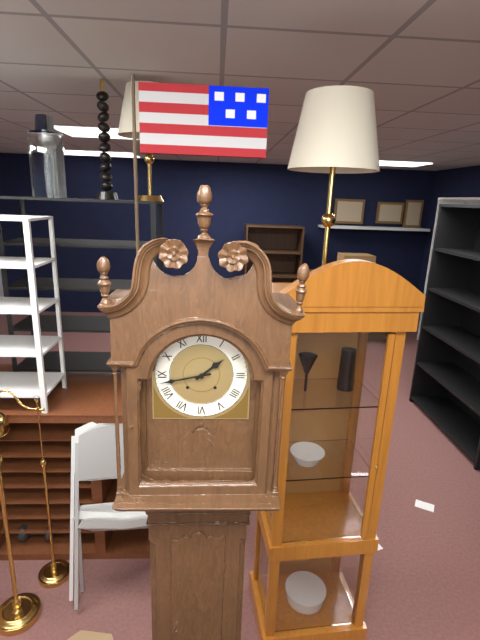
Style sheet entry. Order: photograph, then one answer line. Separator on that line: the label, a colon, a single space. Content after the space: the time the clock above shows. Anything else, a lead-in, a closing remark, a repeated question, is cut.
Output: 1:43
